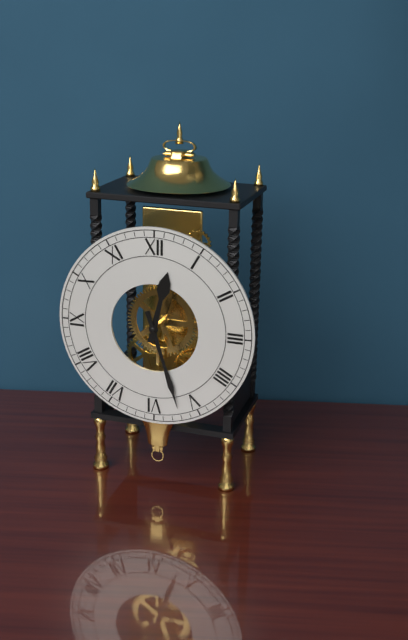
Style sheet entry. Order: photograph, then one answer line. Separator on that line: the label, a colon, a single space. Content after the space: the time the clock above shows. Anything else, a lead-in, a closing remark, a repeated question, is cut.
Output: 12:27
